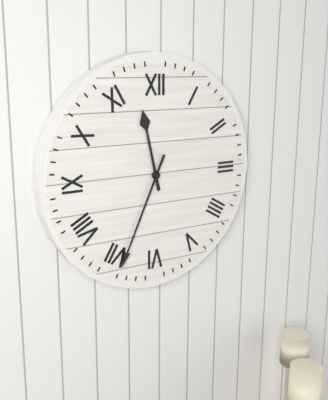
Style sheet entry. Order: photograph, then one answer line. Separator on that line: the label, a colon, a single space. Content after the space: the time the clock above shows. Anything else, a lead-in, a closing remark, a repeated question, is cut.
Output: 11:34
